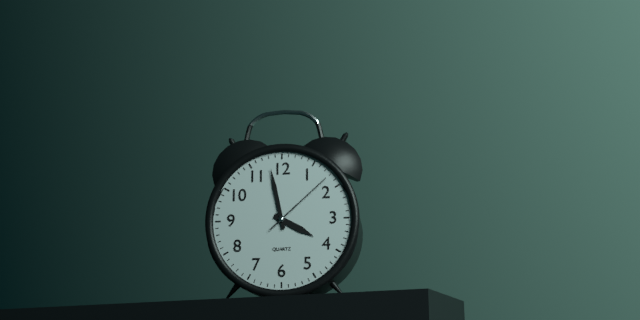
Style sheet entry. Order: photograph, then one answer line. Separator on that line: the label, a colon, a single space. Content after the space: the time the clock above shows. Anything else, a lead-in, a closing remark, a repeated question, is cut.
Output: 3:58:08
